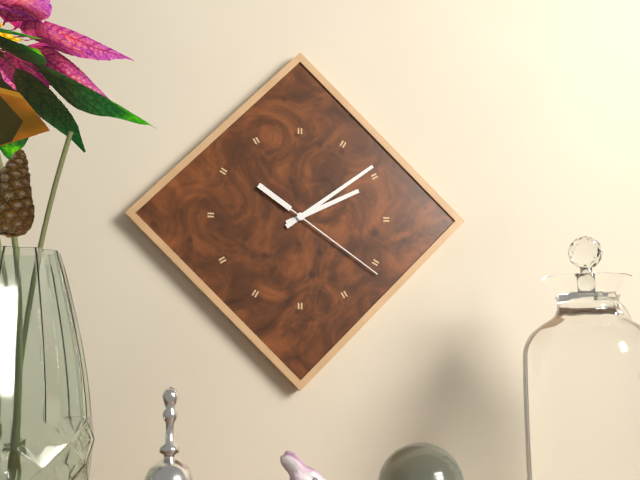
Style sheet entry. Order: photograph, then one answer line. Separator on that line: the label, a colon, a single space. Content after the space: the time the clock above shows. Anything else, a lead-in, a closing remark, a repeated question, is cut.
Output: 2:09:21
